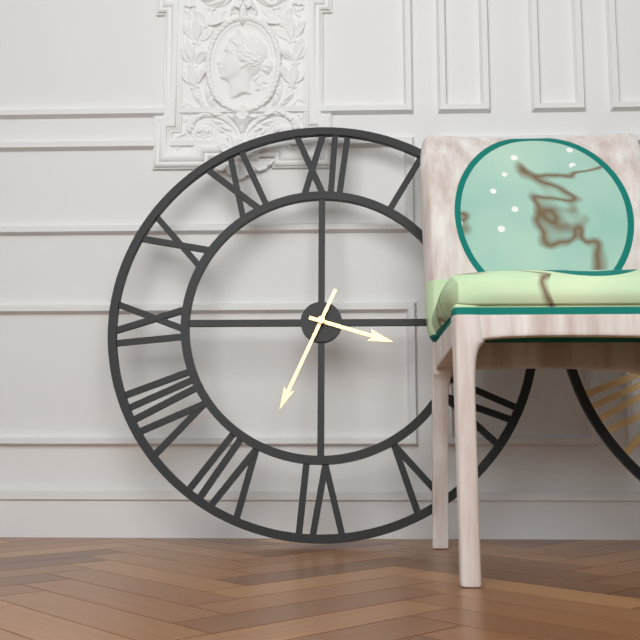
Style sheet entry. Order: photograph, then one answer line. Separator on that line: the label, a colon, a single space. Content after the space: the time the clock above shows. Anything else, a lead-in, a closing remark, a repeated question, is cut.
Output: 3:34
